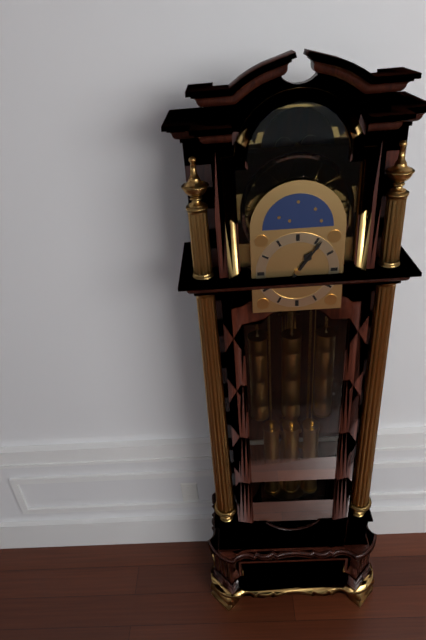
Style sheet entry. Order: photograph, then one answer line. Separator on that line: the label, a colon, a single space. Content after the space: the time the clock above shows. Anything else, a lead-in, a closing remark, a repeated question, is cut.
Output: 1:06
